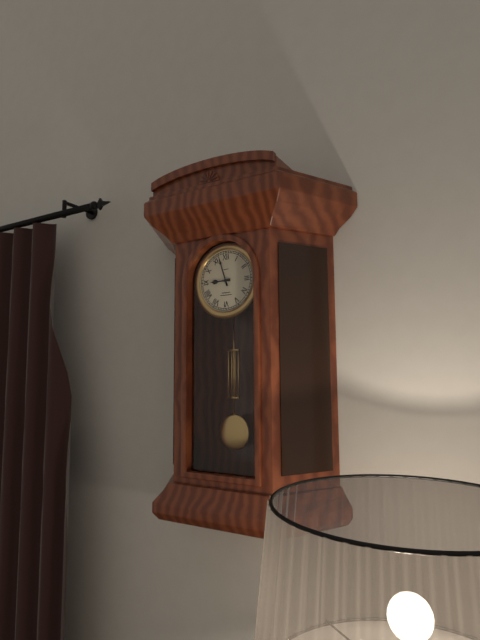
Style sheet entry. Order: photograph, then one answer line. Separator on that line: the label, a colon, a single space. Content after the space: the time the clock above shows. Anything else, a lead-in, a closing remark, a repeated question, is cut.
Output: 8:57
